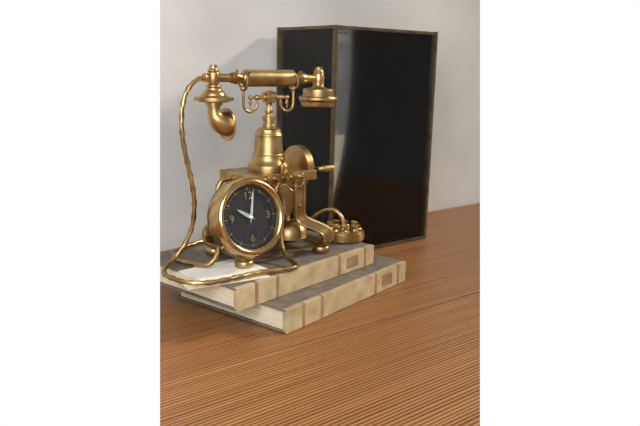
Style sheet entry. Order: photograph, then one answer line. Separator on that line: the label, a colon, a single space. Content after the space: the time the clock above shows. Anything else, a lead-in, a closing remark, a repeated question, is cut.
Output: 10:02
